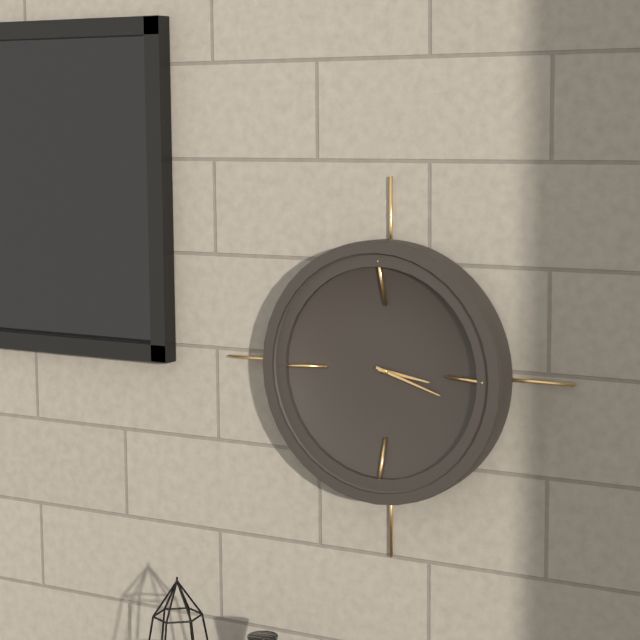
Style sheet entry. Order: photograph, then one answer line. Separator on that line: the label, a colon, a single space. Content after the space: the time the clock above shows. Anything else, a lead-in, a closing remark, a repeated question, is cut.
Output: 3:18
